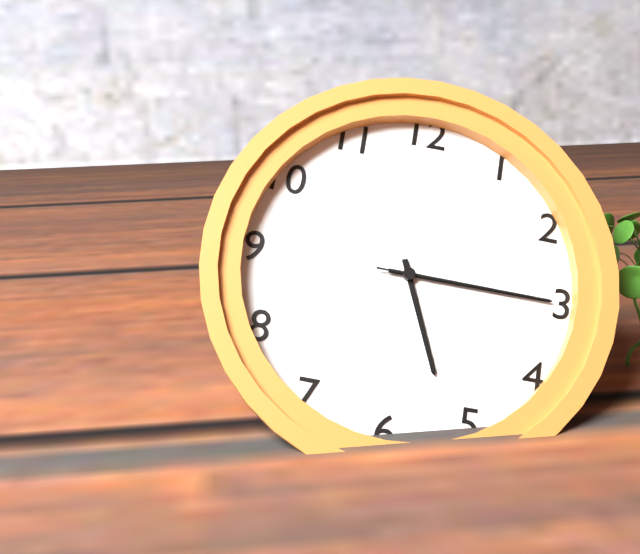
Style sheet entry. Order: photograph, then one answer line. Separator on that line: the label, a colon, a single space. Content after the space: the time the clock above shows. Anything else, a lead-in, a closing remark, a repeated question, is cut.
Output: 5:15:15
